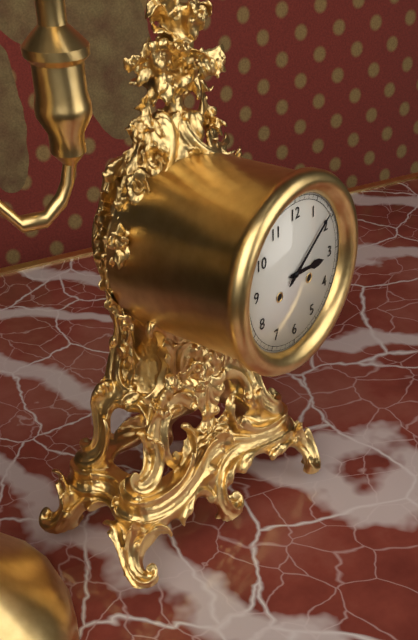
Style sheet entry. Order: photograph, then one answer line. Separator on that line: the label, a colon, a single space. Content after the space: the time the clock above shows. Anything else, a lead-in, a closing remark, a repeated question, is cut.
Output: 3:09
